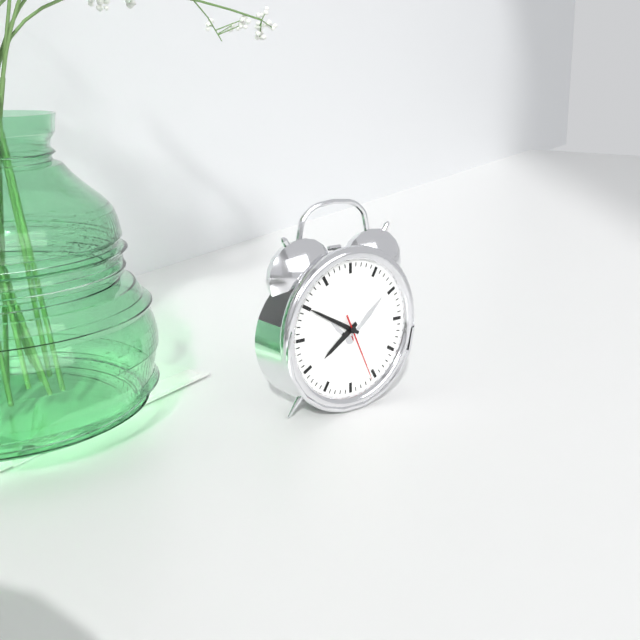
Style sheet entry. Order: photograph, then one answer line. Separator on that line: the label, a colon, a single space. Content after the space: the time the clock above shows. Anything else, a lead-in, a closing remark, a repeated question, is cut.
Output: 7:50:26
